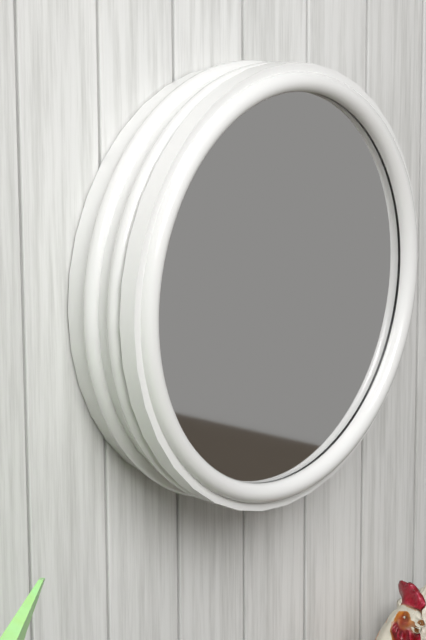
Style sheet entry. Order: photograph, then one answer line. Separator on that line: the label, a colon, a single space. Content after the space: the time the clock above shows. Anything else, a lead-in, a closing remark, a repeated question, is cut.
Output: 5:30:04
